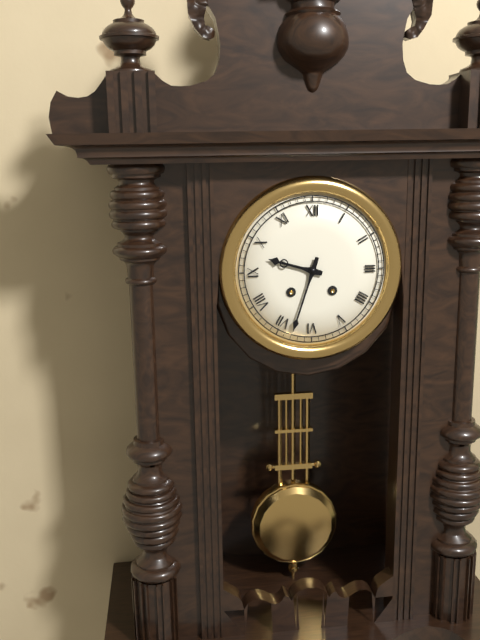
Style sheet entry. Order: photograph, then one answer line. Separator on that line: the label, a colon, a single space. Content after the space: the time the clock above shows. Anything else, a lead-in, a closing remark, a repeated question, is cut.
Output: 9:33
